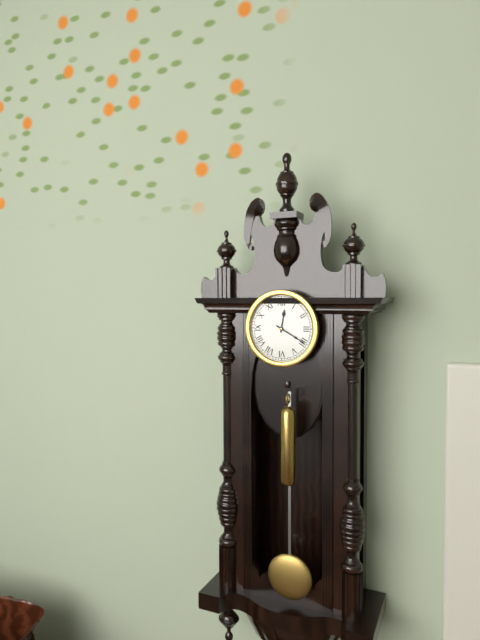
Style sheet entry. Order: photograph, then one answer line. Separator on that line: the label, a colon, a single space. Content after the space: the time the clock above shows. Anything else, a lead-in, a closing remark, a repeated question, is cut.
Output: 12:20
